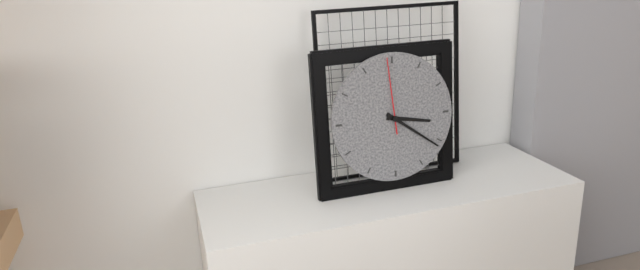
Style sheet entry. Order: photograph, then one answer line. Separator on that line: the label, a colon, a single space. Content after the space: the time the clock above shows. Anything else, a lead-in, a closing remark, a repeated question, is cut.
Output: 3:21:59
